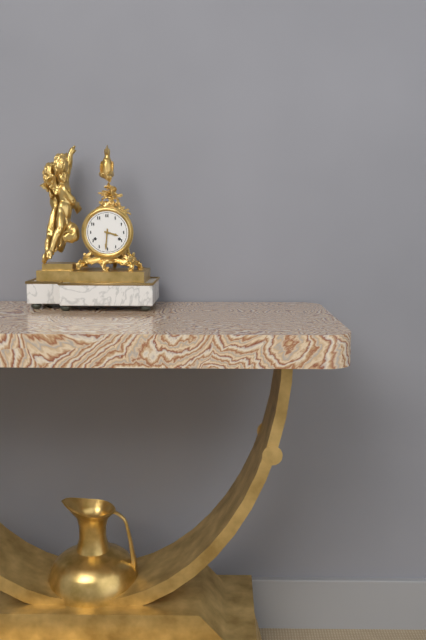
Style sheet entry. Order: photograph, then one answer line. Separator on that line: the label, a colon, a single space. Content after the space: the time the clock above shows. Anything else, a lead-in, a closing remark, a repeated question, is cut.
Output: 3:31
